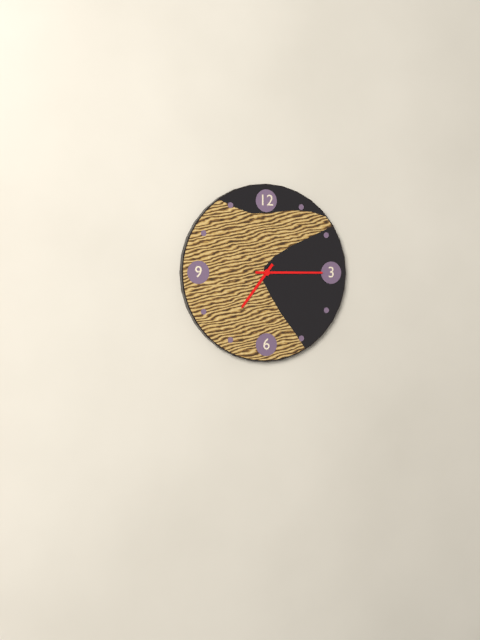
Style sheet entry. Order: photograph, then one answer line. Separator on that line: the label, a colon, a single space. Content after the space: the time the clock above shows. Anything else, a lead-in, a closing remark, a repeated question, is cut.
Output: 7:15
